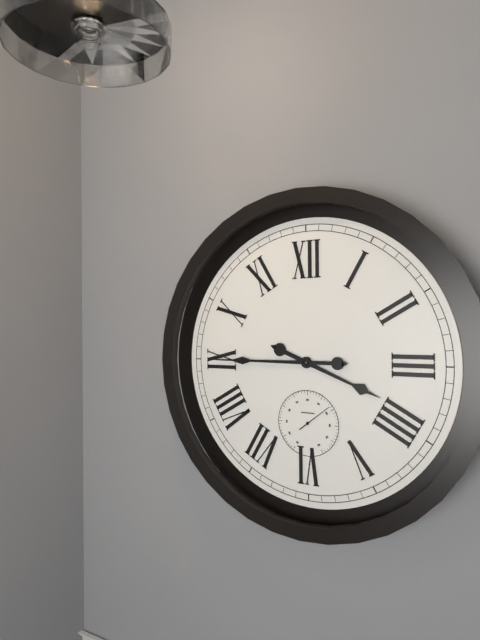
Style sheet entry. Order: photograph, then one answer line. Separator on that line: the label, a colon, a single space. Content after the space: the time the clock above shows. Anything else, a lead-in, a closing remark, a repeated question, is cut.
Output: 3:45
